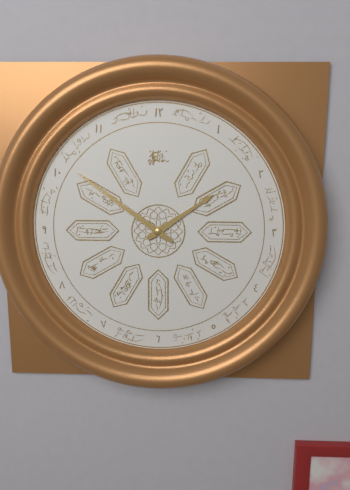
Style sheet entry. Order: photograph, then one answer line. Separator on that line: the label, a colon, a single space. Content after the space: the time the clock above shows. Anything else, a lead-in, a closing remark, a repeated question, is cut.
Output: 1:51
